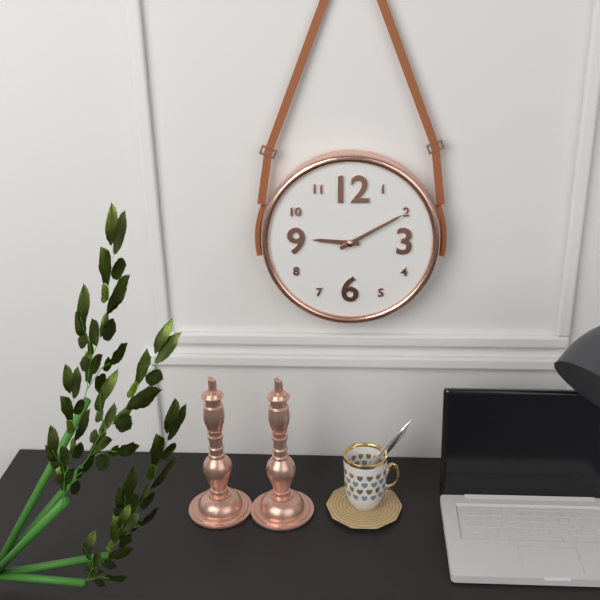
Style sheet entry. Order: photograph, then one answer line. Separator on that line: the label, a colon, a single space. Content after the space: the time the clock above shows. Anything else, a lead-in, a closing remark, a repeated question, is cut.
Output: 9:10
